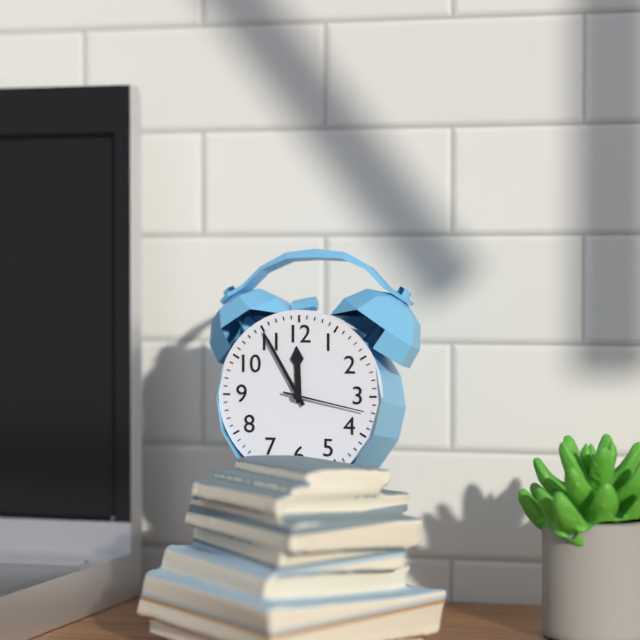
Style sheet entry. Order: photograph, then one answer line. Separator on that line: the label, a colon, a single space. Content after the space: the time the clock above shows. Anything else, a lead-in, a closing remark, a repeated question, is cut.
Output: 11:55:17
